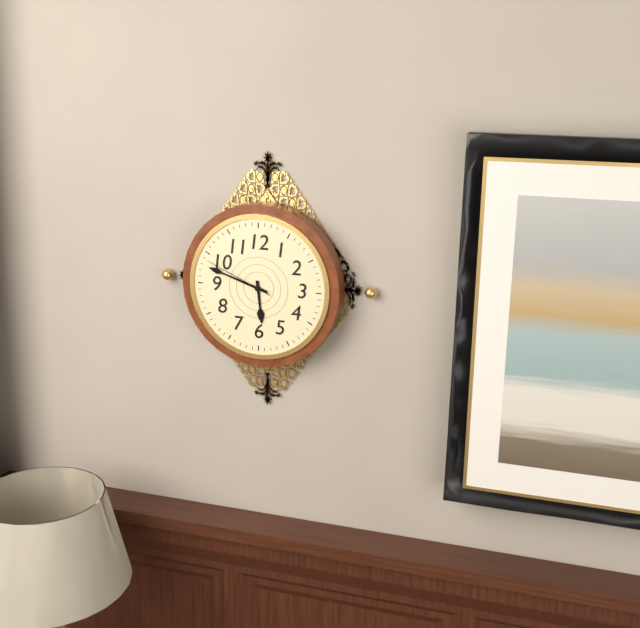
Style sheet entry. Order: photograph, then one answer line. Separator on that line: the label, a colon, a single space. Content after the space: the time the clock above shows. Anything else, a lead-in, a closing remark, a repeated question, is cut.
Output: 5:48:49
